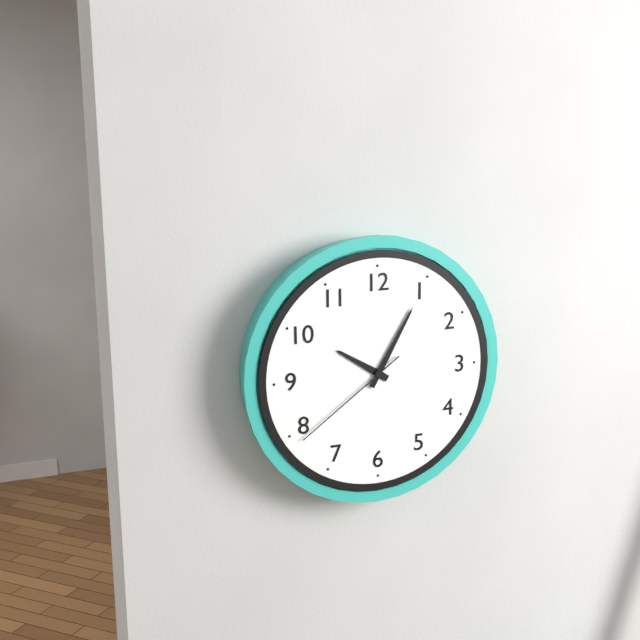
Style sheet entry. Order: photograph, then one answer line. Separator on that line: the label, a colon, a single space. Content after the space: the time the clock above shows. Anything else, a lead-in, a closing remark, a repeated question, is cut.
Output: 10:05:39
